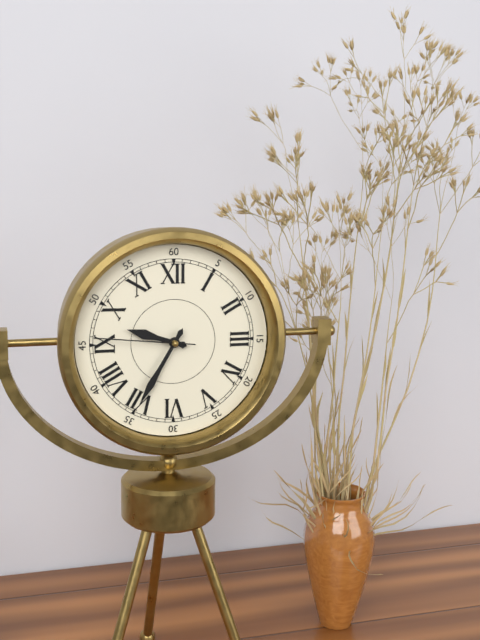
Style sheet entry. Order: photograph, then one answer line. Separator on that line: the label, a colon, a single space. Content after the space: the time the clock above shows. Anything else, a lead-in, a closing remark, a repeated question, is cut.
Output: 9:35:46
